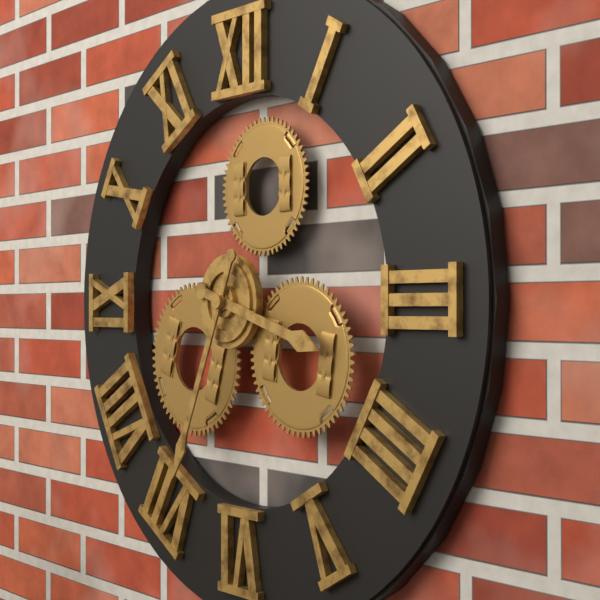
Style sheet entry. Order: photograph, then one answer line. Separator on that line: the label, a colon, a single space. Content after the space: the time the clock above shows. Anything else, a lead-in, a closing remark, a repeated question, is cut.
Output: 3:34
